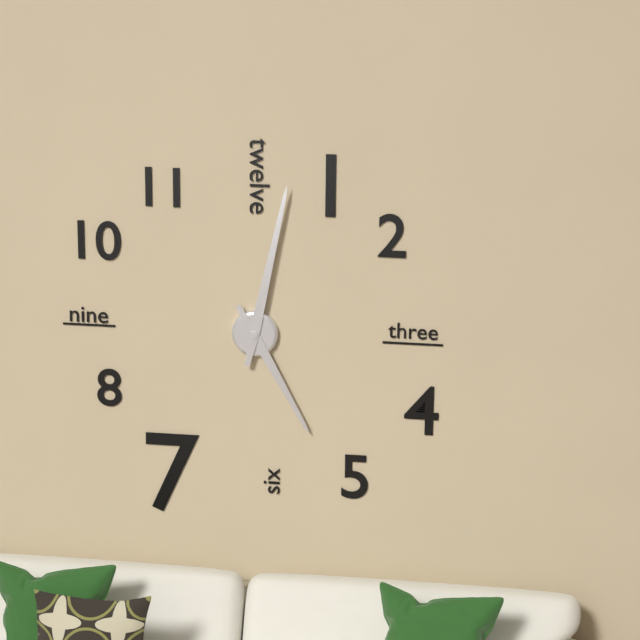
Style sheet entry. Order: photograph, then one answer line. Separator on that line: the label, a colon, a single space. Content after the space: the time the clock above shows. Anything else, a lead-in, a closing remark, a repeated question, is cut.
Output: 5:02
